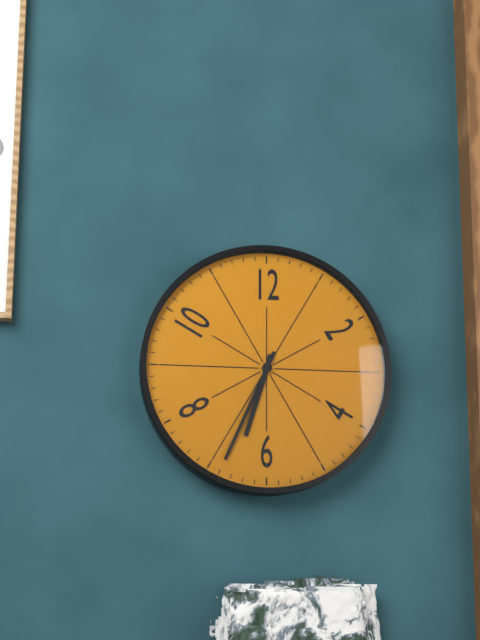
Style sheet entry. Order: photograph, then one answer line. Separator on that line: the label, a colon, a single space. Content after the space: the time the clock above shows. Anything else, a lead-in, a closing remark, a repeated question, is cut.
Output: 6:34
